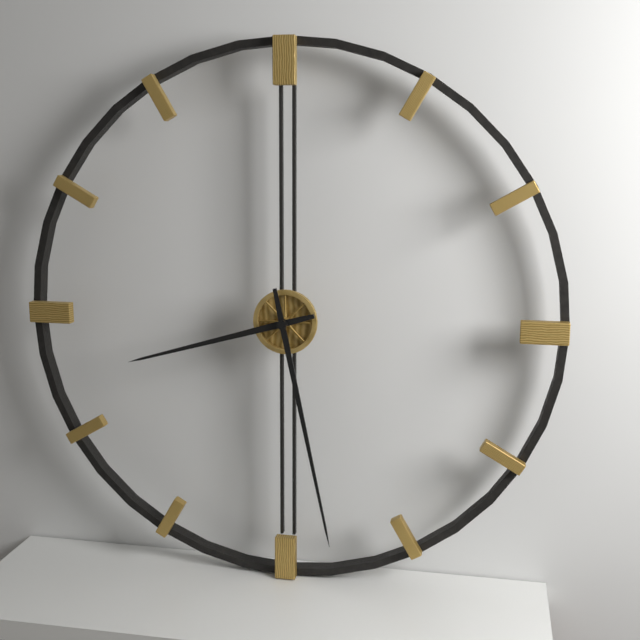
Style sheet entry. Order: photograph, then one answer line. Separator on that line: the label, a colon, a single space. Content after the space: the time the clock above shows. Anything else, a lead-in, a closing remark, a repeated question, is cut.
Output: 8:28
